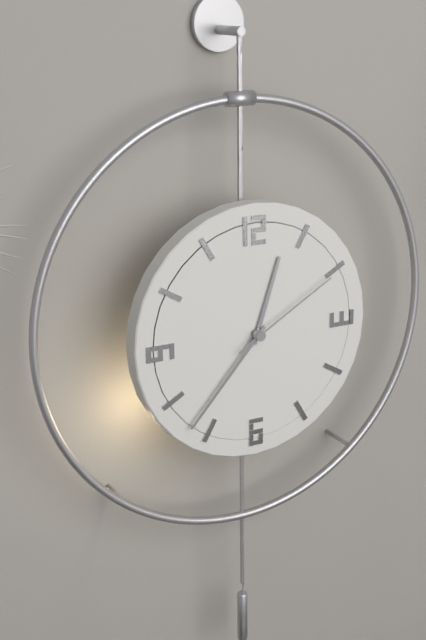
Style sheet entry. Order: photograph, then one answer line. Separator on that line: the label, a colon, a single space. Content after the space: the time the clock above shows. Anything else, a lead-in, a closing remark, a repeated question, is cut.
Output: 12:37:10
